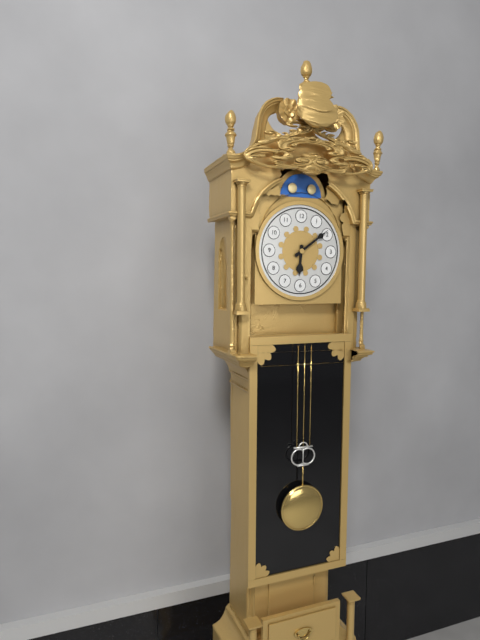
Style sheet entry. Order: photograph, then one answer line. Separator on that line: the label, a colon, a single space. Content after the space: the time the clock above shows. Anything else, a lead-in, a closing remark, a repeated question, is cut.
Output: 6:09
